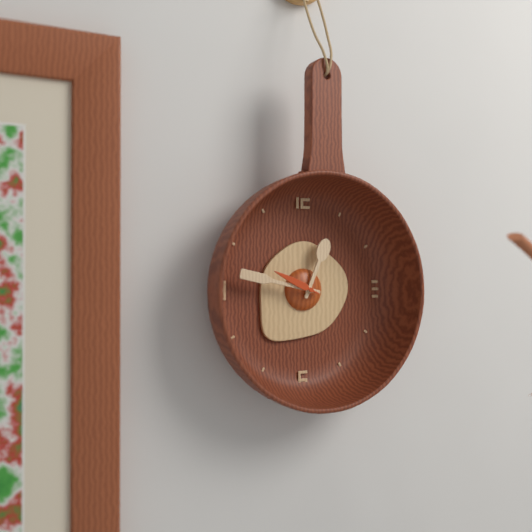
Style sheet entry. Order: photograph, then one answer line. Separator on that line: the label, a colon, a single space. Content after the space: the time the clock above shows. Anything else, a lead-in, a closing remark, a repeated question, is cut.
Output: 12:47:49
